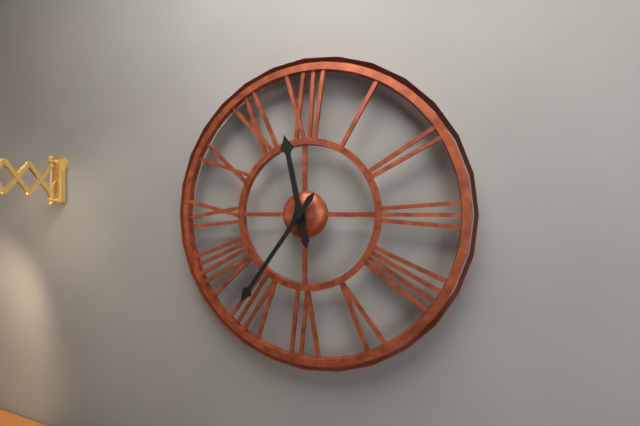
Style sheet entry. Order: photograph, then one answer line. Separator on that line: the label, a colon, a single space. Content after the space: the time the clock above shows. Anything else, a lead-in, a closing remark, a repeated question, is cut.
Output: 11:36
